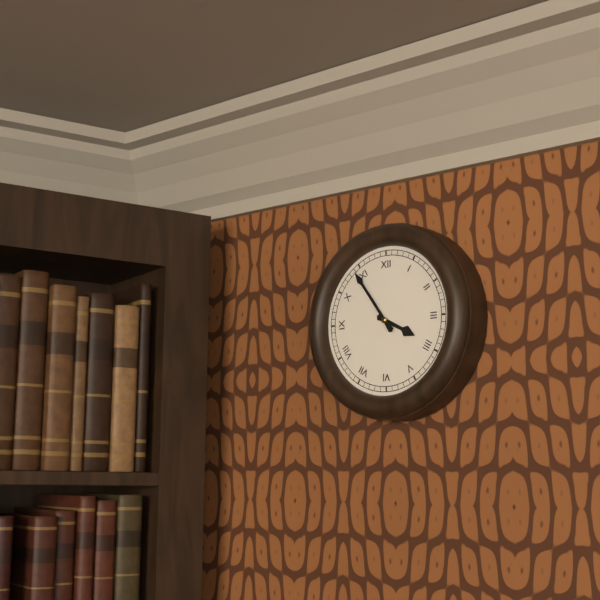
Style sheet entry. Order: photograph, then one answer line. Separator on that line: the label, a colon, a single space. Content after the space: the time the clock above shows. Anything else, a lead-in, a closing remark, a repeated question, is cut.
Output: 3:54
